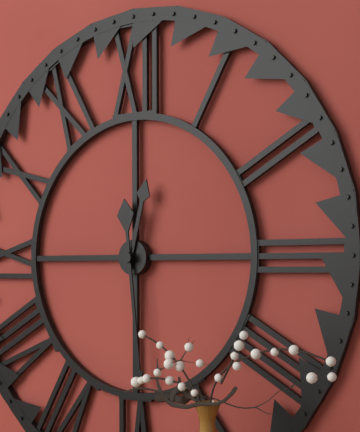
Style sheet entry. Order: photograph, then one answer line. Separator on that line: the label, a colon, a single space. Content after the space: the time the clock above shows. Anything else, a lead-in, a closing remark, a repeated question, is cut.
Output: 12:29
